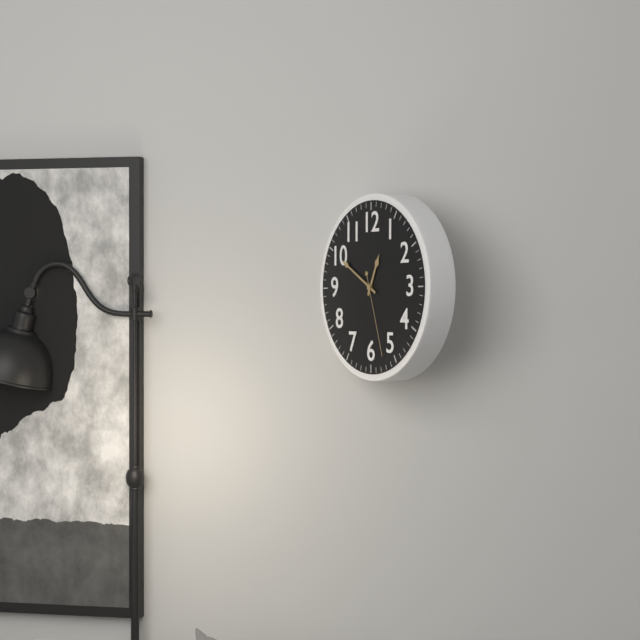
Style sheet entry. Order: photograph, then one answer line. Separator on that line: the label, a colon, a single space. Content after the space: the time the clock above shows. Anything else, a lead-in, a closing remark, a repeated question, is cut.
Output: 12:50:27
